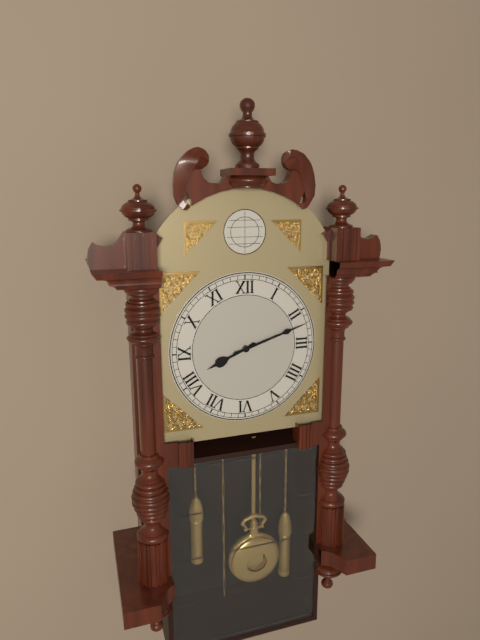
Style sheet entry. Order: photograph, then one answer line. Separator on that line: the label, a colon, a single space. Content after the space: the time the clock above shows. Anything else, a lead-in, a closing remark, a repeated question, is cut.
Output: 8:12
